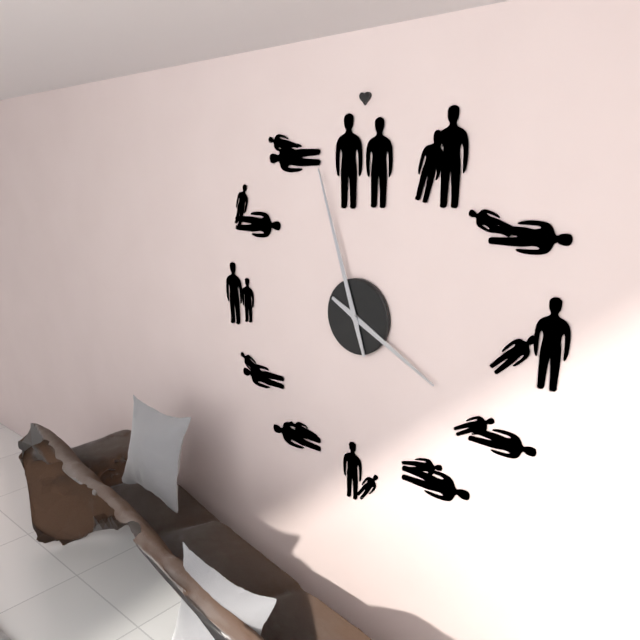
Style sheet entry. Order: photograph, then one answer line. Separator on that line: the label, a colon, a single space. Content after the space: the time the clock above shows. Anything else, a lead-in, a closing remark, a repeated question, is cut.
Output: 3:57
